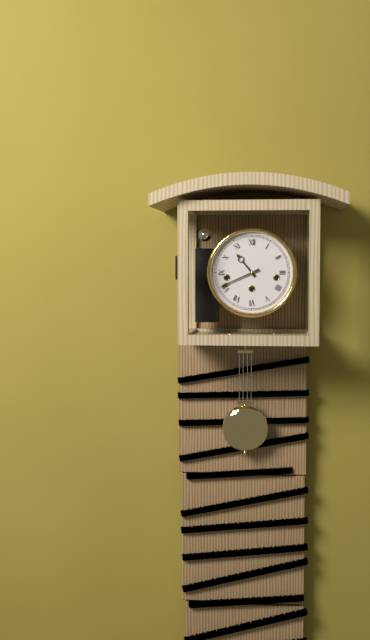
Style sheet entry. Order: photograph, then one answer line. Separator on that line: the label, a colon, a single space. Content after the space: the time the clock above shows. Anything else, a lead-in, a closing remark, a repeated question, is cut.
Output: 10:41
